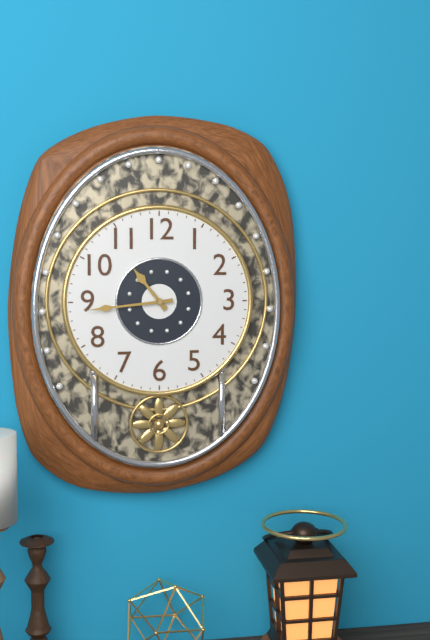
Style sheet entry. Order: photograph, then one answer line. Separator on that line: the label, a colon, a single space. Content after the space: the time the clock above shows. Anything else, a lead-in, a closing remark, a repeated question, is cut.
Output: 10:44
